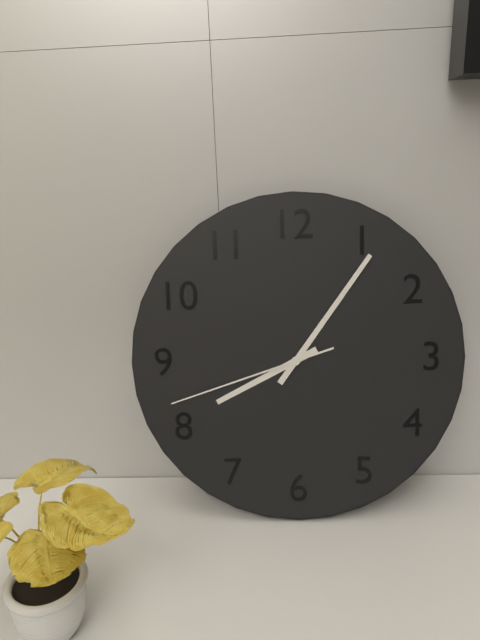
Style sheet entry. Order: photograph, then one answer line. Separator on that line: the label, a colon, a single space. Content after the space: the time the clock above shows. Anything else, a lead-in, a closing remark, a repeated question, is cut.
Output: 8:06:42
